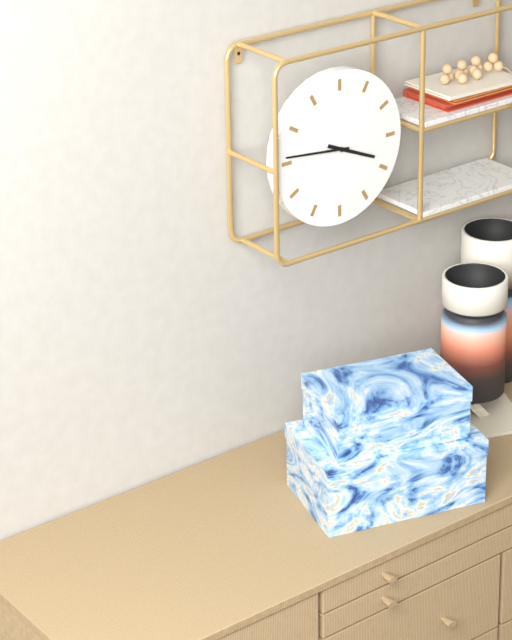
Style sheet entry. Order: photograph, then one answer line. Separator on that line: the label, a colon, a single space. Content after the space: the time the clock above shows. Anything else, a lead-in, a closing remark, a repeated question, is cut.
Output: 3:46
